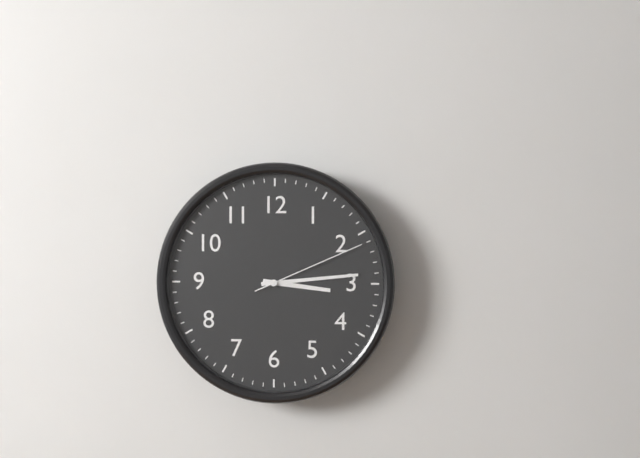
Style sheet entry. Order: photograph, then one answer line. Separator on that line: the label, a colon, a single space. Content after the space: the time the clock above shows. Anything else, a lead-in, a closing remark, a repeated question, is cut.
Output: 3:14:11
